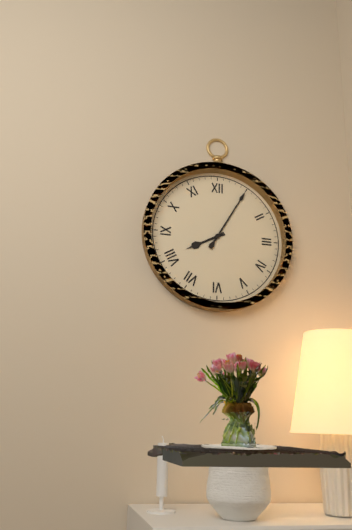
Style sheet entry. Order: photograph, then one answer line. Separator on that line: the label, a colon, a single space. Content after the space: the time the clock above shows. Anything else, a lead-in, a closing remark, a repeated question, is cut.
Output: 8:05
